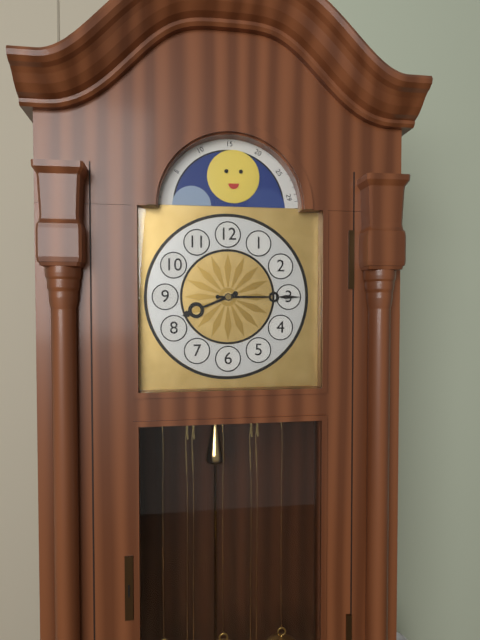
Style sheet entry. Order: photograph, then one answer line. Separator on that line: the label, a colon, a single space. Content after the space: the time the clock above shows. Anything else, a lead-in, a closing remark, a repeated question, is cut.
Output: 8:15
